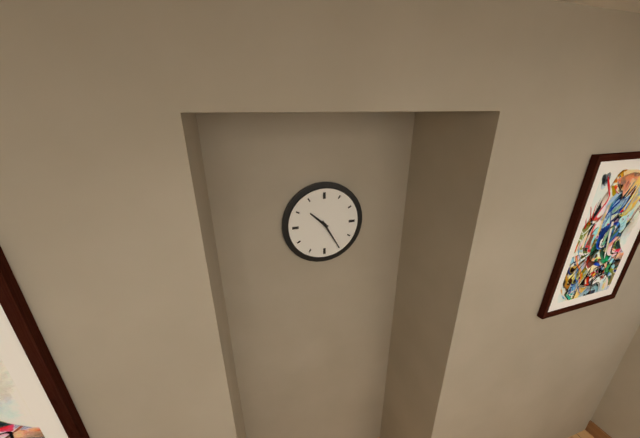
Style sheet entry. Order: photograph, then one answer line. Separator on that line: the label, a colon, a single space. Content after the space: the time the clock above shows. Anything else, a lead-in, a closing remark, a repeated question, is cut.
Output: 10:25
